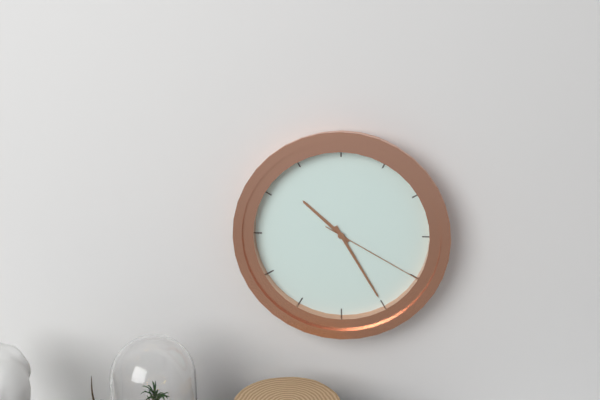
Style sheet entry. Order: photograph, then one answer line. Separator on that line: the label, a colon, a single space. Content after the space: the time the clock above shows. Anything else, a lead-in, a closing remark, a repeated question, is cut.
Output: 10:25:20
